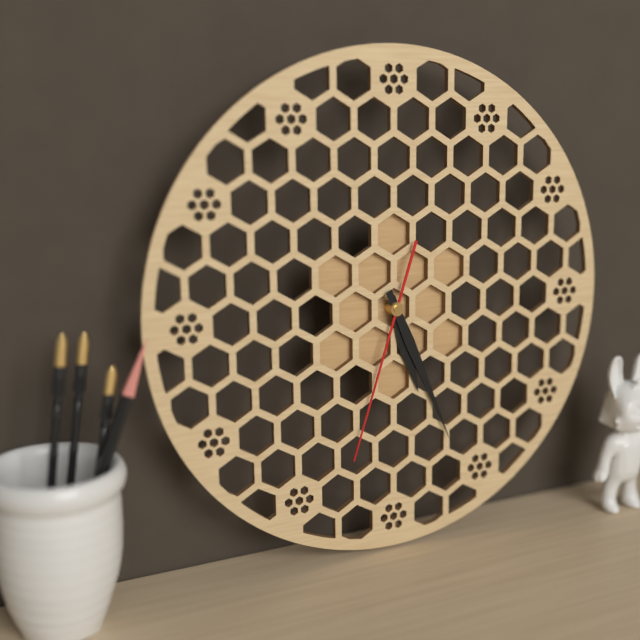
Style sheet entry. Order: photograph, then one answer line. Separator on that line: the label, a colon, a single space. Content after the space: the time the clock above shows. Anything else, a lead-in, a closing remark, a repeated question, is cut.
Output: 5:26:33
